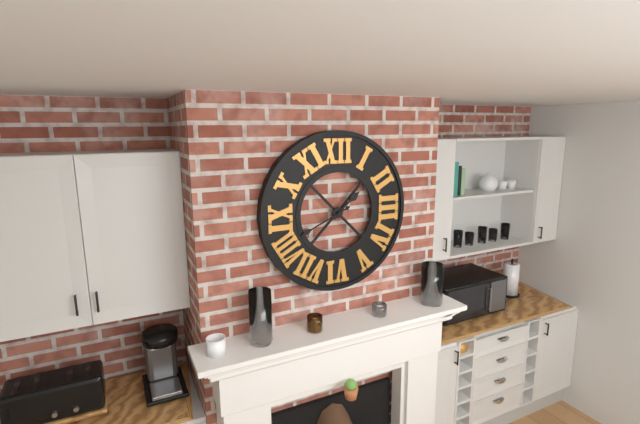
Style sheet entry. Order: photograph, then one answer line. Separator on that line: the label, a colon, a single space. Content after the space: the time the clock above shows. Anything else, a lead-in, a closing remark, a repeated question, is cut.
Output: 1:41
